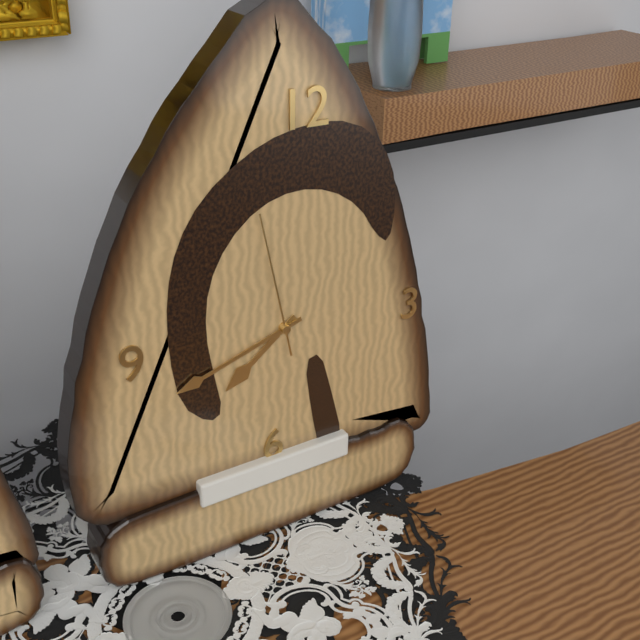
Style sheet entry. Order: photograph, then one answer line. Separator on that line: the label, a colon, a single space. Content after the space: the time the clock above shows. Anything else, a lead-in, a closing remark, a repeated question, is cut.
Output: 7:42:58
